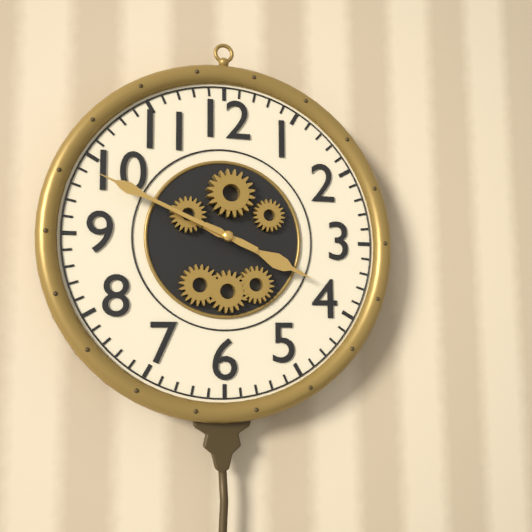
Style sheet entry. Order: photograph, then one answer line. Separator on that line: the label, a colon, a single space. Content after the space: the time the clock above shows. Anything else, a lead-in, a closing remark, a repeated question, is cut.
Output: 3:49
